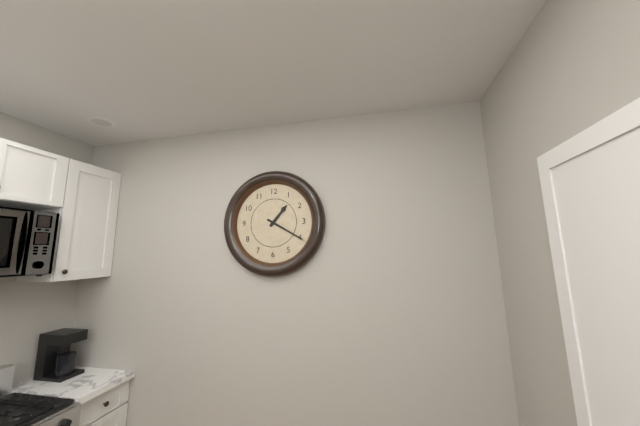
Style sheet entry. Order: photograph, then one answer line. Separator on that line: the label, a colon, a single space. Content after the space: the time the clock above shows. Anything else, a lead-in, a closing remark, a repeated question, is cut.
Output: 1:20
